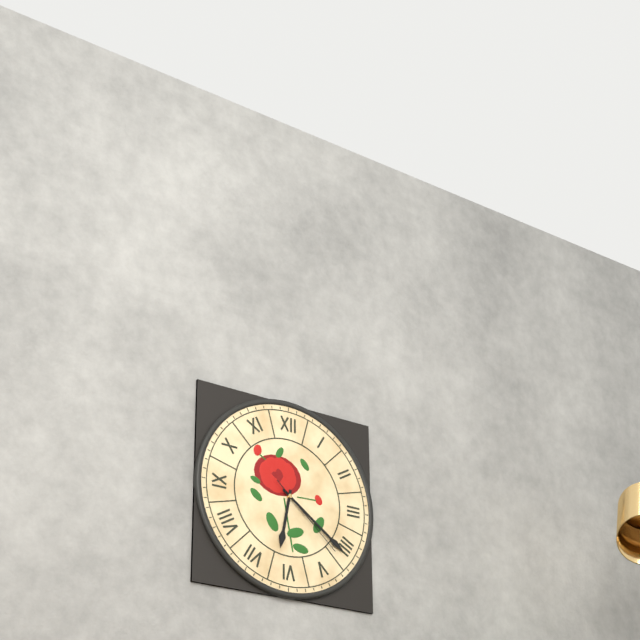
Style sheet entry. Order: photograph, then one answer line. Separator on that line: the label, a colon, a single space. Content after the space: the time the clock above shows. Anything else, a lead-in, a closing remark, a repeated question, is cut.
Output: 6:21:22
